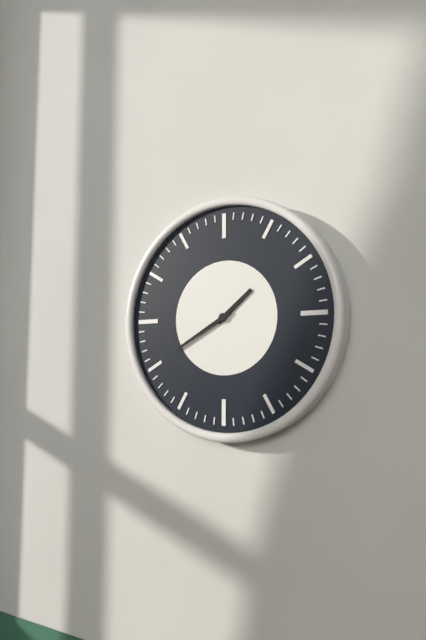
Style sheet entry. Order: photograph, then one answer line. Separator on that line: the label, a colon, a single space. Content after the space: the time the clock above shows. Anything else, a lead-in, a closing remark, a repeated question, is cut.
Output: 1:40
